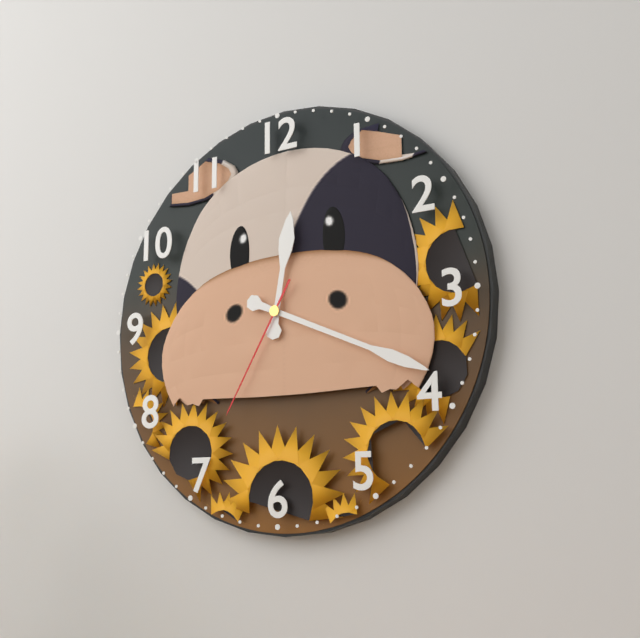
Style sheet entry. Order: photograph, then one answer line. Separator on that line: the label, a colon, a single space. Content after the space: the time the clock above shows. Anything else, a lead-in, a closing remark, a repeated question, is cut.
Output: 12:19:35
